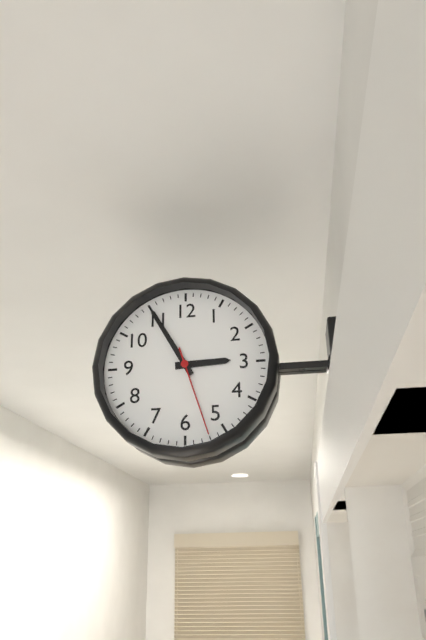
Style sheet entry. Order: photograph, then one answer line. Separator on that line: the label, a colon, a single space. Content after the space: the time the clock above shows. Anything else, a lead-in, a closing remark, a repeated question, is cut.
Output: 2:55:27
